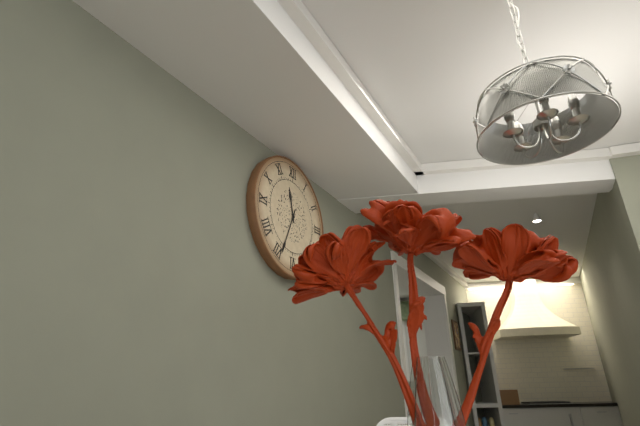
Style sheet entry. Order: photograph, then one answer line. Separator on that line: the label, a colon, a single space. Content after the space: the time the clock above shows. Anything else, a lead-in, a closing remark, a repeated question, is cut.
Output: 11:34
